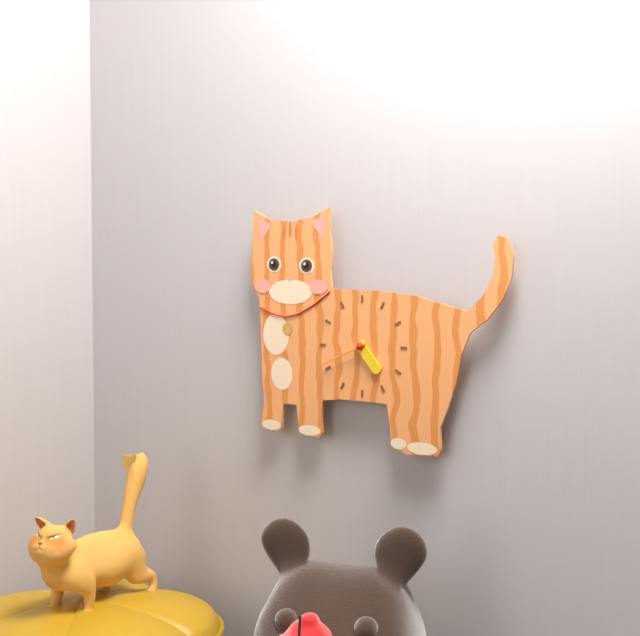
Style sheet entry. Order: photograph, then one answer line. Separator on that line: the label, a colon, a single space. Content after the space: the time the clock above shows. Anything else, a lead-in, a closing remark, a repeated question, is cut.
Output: 4:41
